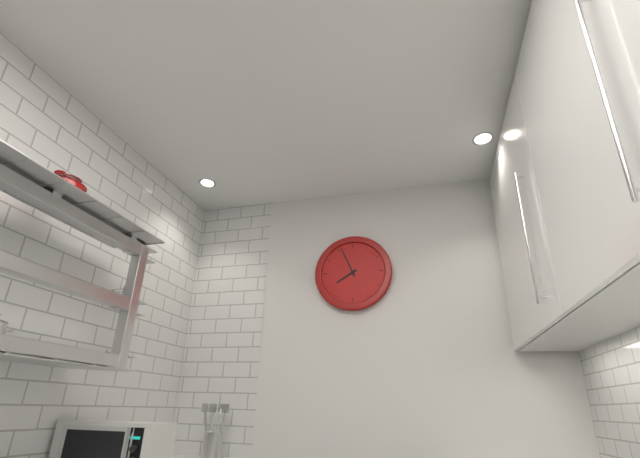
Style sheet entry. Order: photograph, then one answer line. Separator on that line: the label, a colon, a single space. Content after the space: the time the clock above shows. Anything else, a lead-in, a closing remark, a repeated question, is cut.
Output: 7:56
